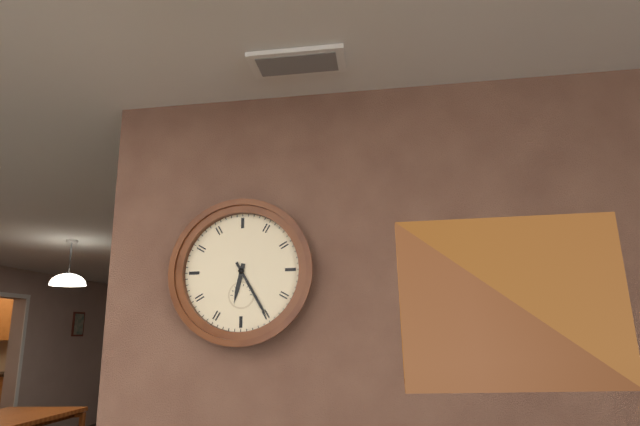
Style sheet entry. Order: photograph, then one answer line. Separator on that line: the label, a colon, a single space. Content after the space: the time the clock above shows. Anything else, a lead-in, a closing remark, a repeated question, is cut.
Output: 6:25
